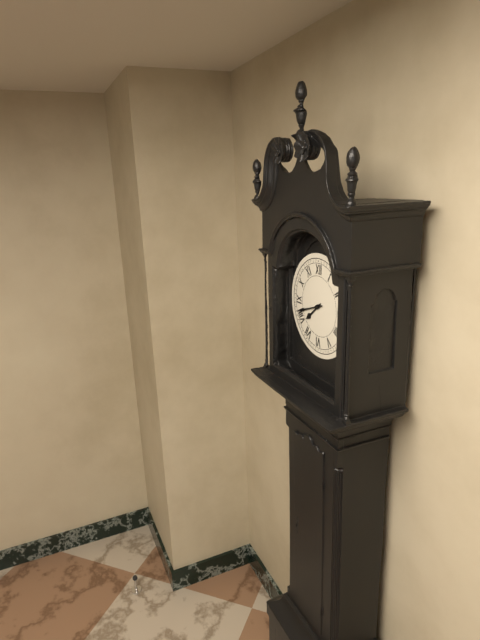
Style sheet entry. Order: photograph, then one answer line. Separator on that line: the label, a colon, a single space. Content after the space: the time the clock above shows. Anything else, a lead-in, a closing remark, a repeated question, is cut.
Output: 7:42
